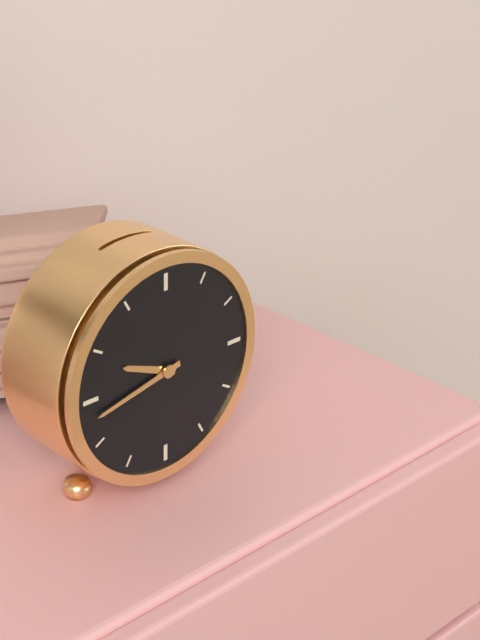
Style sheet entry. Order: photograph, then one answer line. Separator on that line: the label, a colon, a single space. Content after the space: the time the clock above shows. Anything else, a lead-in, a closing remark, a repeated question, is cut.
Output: 9:43
